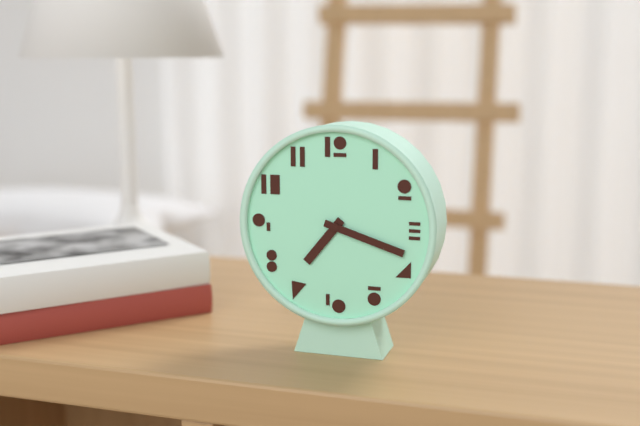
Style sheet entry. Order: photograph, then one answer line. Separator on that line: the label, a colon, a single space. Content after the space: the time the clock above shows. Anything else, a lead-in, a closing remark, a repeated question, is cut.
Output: 7:18
